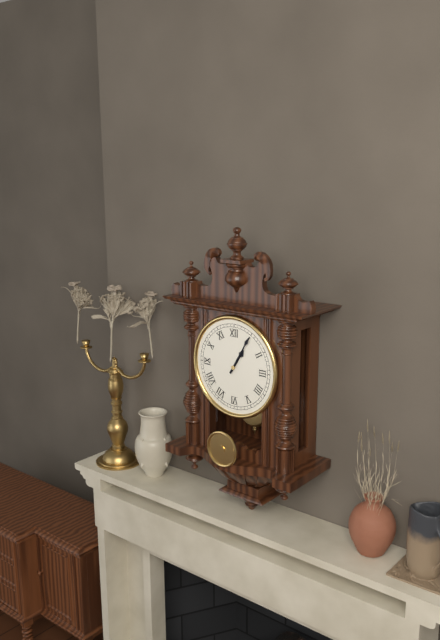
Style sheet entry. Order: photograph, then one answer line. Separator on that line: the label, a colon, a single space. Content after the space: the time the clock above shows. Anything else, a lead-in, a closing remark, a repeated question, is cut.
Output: 1:05
